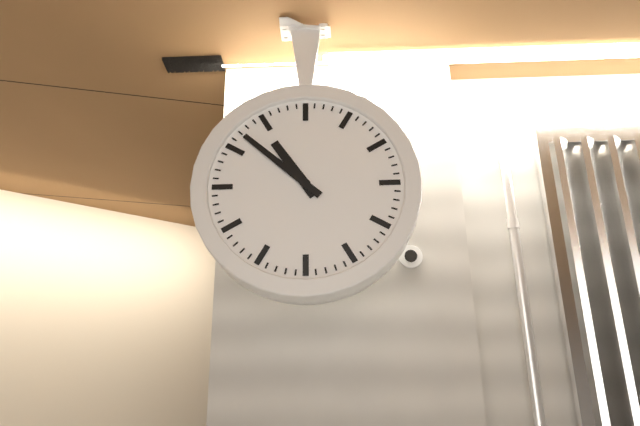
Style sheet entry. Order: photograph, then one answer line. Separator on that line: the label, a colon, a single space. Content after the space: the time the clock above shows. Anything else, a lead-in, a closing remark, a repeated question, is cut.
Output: 10:52
